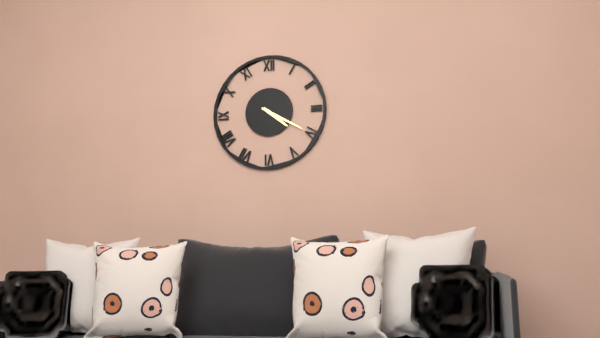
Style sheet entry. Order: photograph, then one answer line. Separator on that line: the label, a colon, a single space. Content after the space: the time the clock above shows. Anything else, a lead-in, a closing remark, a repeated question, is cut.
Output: 4:20
